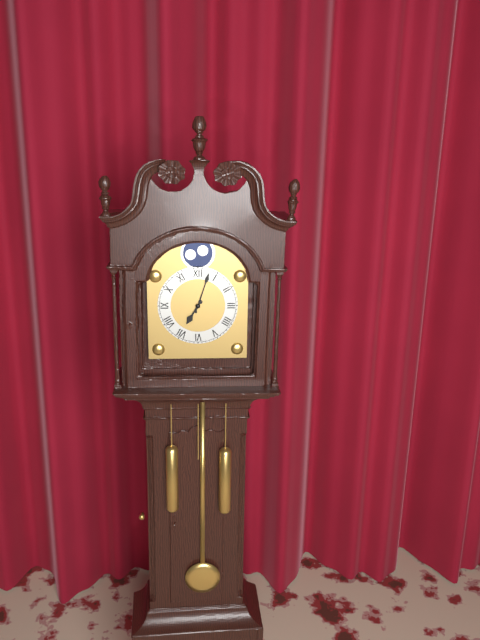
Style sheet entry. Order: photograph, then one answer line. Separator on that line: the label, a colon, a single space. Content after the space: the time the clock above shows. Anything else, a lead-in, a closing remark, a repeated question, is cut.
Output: 7:03
